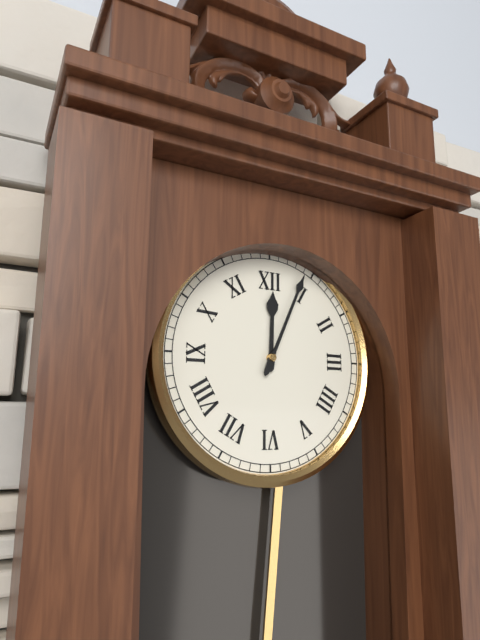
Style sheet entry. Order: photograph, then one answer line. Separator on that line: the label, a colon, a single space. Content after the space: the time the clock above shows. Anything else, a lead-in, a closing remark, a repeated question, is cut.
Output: 12:04
